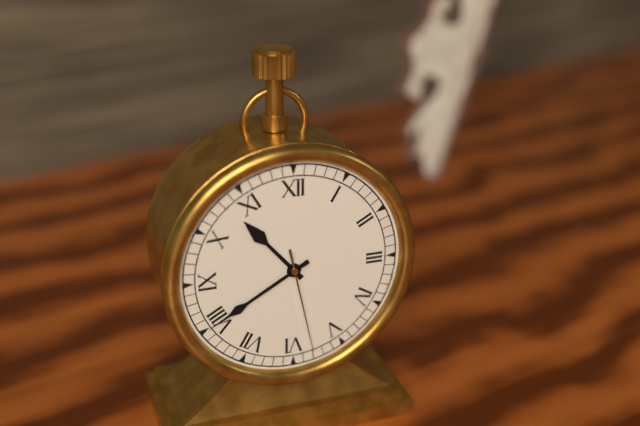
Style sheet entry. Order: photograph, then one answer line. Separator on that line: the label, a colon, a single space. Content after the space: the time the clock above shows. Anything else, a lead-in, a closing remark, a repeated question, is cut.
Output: 10:40:28
